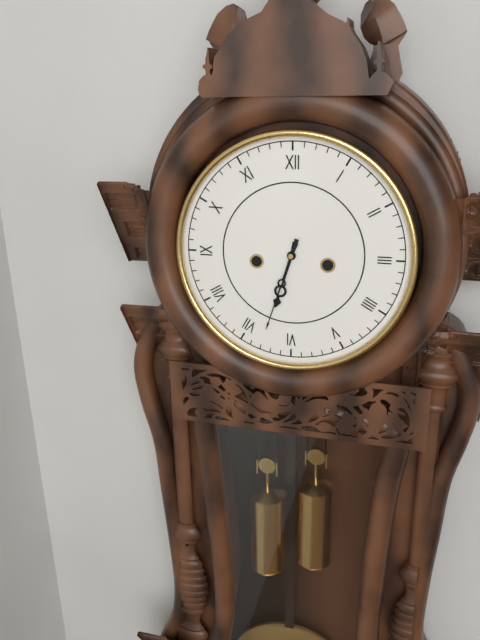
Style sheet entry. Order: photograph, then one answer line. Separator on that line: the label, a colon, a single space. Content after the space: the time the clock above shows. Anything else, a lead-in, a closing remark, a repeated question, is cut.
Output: 6:33
